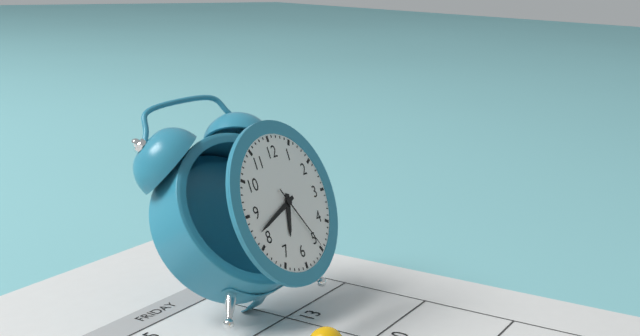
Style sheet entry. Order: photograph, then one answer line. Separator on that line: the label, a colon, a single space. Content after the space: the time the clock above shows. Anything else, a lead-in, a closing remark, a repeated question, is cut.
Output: 6:42:25
